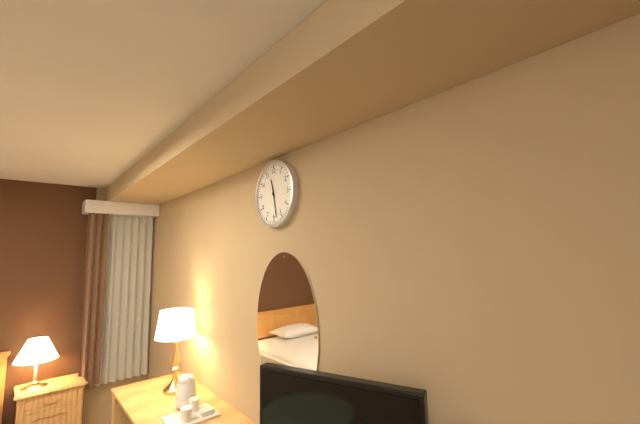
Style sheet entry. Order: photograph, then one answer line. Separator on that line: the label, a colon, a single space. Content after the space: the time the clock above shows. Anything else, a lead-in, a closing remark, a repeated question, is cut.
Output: 11:28
